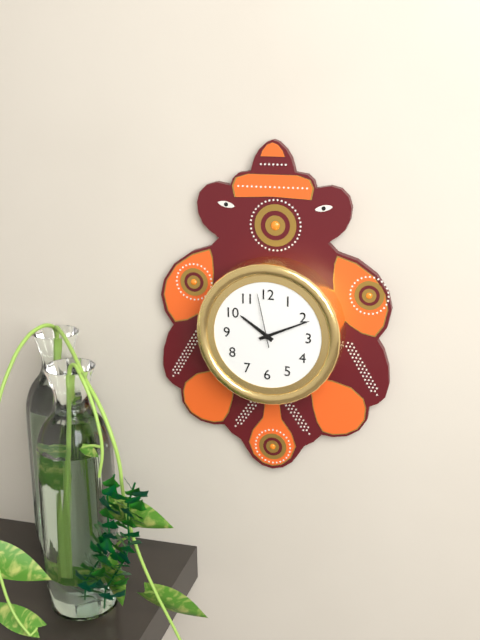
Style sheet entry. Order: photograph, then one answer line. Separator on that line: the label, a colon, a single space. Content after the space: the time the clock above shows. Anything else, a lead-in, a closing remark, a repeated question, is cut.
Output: 10:11:58
